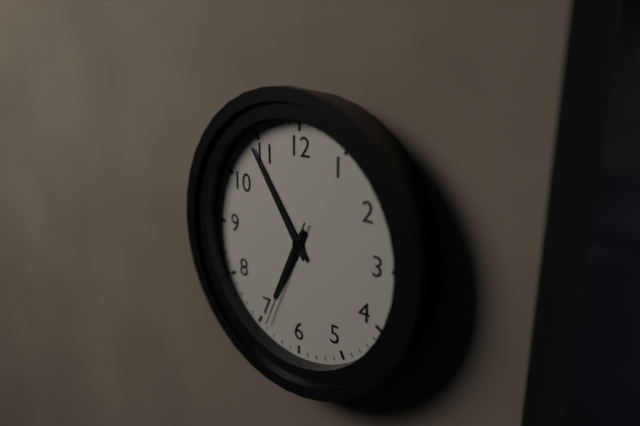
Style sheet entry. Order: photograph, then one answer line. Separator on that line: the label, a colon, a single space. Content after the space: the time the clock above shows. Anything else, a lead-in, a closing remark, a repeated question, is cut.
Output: 6:54:34
